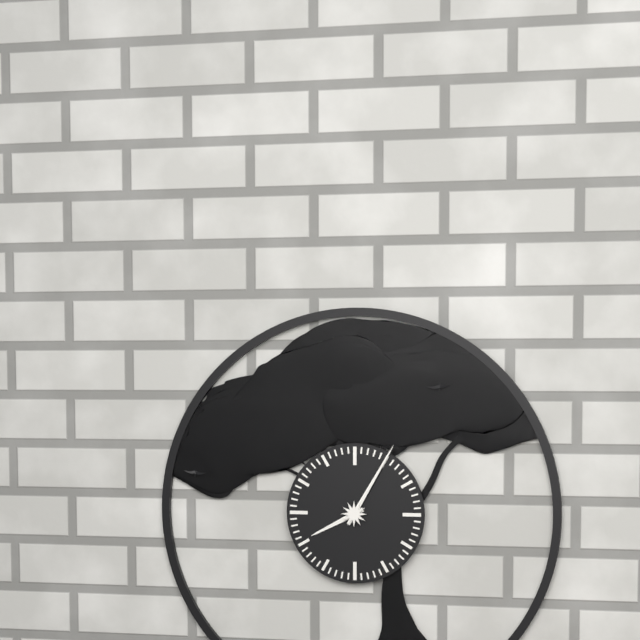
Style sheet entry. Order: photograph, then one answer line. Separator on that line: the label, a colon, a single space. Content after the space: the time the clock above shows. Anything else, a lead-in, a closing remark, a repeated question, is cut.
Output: 8:05
